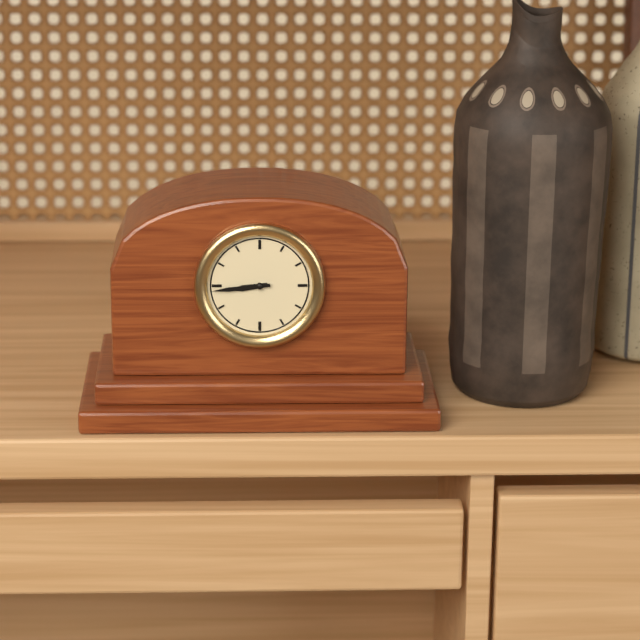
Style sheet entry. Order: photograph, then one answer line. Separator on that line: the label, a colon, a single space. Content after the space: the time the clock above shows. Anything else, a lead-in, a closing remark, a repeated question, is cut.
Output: 8:44
